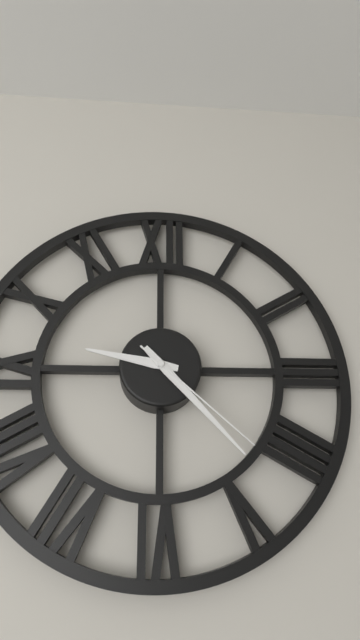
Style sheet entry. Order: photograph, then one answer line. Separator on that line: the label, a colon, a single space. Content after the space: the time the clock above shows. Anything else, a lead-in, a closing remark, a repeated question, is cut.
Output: 9:23:22
